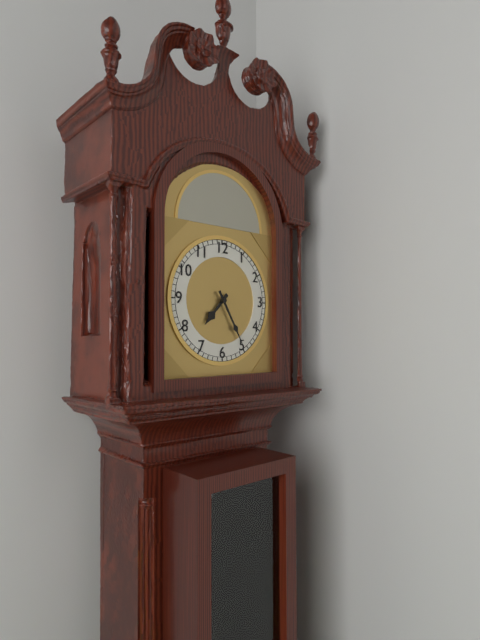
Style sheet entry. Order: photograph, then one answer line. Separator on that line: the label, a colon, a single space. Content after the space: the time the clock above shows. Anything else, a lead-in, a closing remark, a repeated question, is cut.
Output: 7:25
